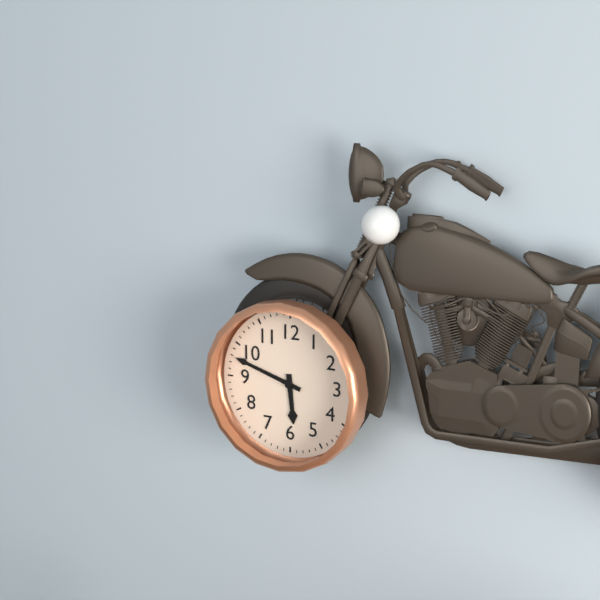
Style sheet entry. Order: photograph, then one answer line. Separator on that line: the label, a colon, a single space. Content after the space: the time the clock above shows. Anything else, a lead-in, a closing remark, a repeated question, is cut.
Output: 5:48
